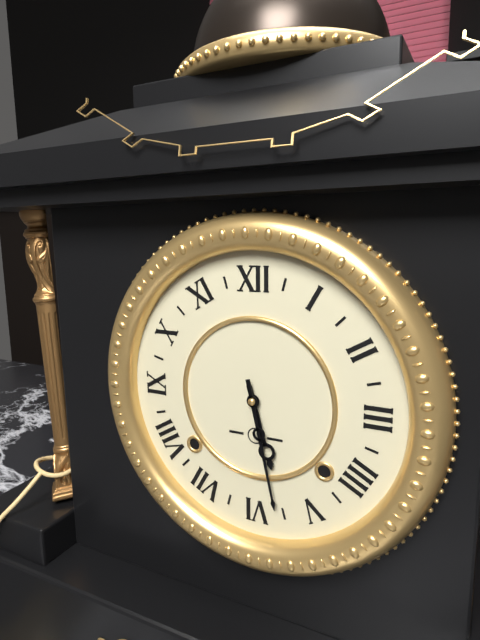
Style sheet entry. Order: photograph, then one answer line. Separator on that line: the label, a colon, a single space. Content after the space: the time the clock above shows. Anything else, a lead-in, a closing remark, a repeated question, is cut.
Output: 5:28
